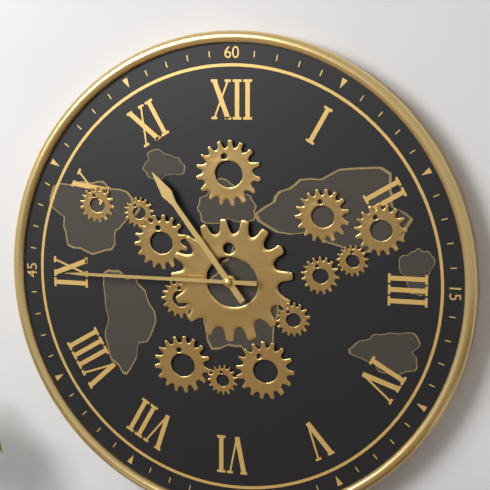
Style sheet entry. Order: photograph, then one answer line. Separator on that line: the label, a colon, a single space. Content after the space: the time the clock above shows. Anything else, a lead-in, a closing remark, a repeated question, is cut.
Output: 10:45
